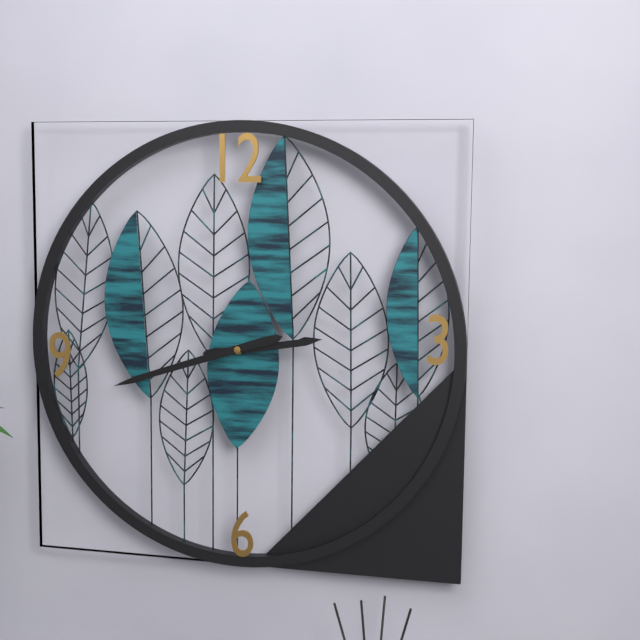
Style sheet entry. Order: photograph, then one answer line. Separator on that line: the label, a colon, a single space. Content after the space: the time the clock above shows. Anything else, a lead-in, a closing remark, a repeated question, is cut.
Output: 2:42
